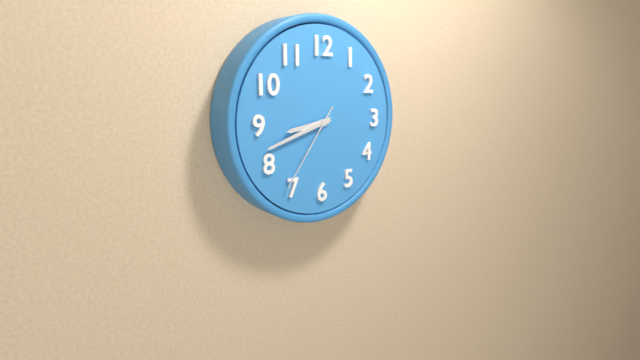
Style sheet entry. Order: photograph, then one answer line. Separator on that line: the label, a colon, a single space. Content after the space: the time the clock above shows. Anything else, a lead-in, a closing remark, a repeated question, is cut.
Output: 8:42:36
